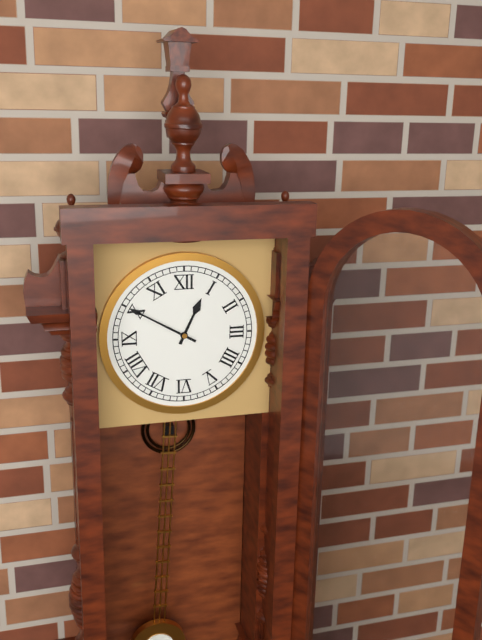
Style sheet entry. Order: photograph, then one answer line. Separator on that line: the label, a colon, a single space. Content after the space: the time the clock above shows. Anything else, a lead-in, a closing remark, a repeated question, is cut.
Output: 12:50
